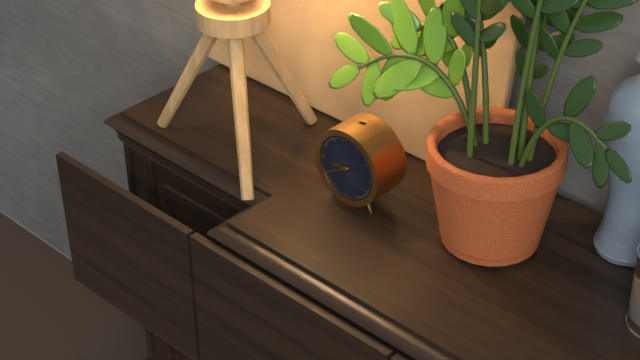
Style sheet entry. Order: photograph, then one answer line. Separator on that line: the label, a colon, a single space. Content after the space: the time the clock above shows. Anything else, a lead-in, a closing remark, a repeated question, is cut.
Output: 8:40
